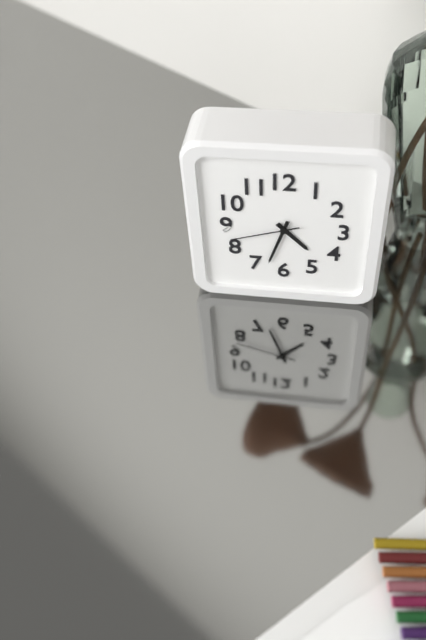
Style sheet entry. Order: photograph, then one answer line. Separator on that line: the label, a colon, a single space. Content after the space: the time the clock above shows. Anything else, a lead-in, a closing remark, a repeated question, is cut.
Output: 4:33:42
